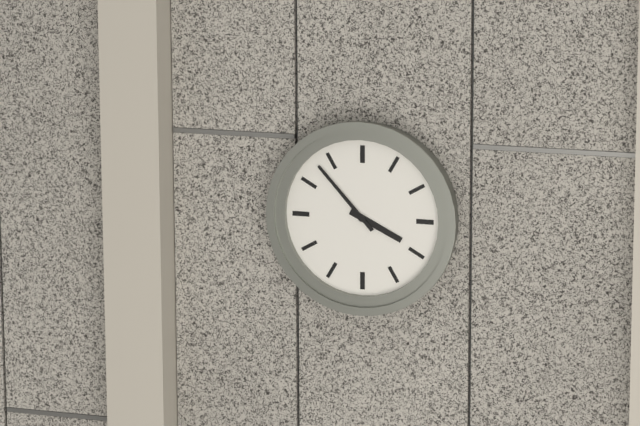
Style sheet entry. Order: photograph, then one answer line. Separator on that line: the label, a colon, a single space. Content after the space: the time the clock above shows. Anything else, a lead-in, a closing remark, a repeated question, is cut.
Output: 3:53
